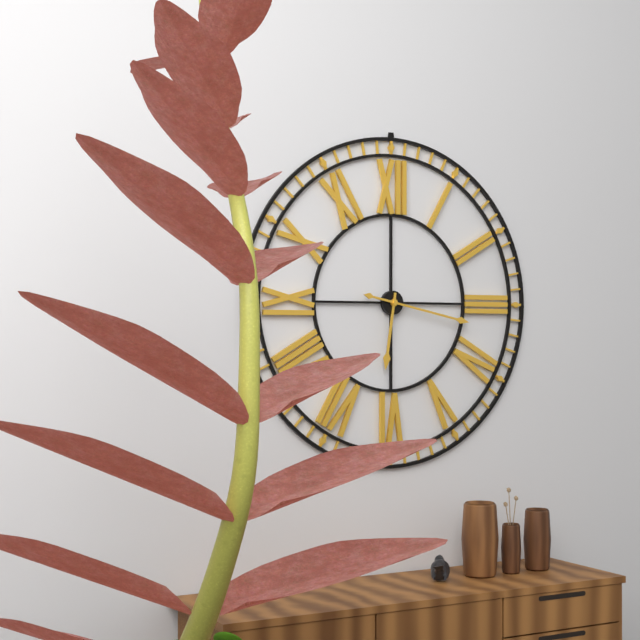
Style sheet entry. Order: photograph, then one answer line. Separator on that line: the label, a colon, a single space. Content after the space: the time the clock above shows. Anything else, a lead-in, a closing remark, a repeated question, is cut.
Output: 6:17
